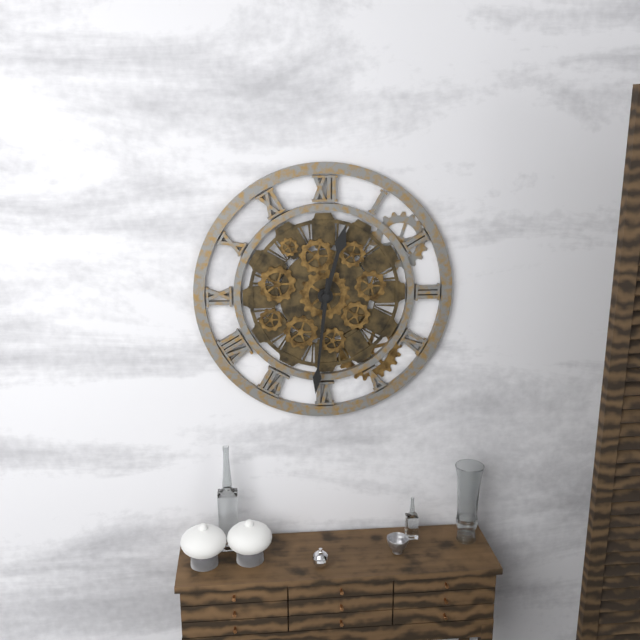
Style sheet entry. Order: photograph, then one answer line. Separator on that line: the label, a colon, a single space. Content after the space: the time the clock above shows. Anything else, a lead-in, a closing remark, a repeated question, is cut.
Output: 12:31
